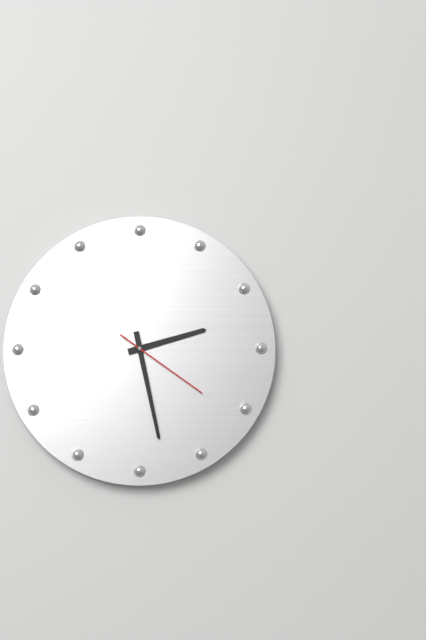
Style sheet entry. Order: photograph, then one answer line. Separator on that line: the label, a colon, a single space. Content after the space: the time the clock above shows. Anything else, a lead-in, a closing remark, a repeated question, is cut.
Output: 2:28:21
